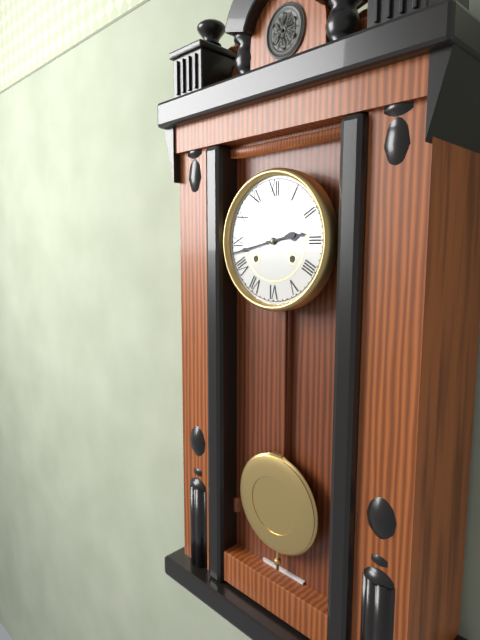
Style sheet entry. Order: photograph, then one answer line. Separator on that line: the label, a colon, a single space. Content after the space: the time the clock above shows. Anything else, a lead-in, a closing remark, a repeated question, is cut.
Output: 2:43
